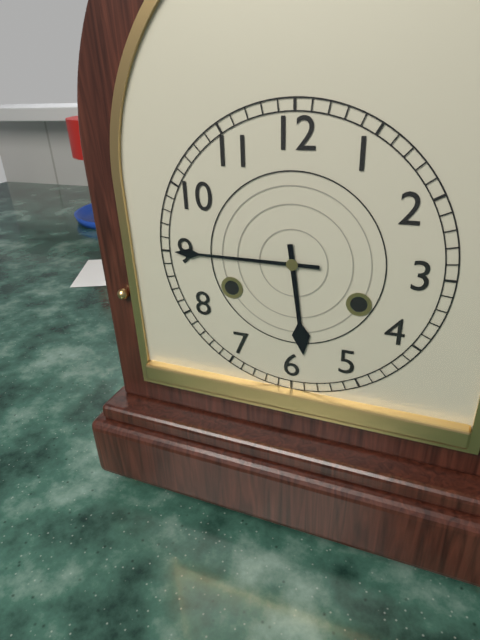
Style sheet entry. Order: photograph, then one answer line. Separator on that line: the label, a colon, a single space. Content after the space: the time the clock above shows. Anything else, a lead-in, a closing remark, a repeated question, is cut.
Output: 5:45
